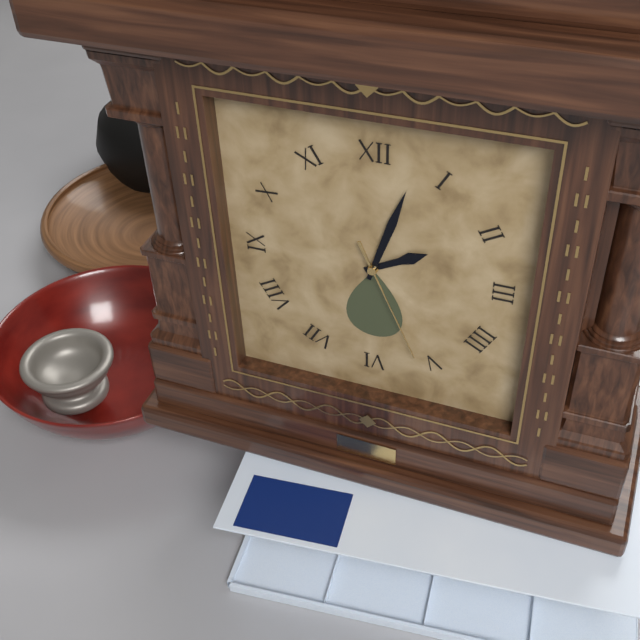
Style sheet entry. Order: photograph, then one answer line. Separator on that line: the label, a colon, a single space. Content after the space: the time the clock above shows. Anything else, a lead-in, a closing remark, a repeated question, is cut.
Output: 2:03:26
